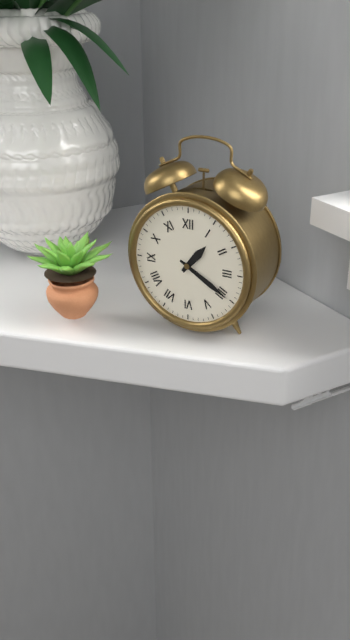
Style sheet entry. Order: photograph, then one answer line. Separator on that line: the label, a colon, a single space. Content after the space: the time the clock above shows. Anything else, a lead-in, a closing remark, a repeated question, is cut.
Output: 1:20
